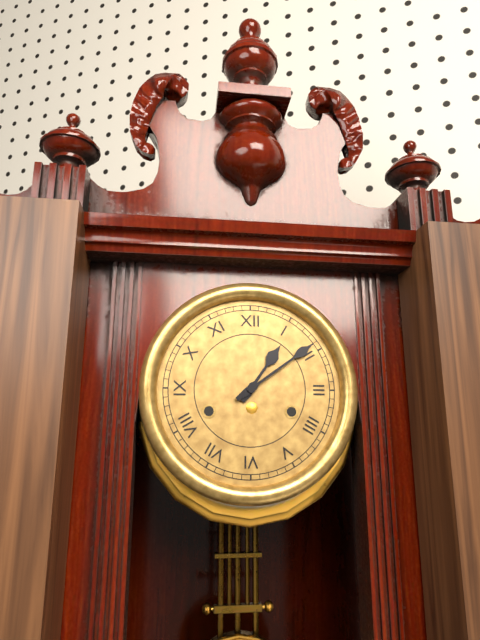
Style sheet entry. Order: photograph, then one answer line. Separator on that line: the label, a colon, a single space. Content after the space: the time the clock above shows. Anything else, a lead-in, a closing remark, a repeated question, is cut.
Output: 1:09
